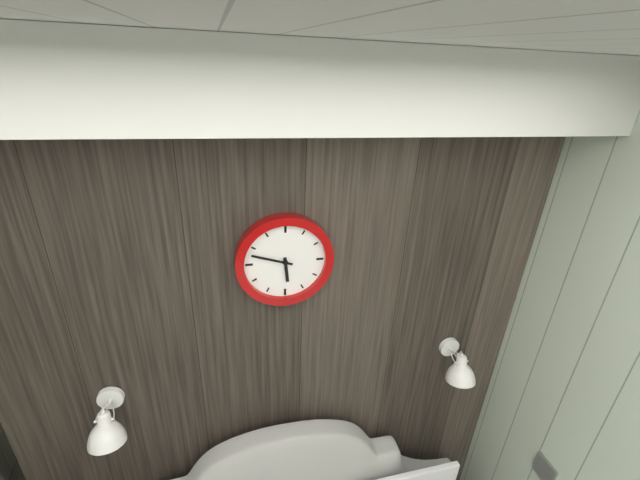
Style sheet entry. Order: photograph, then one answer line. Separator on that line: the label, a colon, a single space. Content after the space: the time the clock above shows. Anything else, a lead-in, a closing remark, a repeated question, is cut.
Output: 5:48
